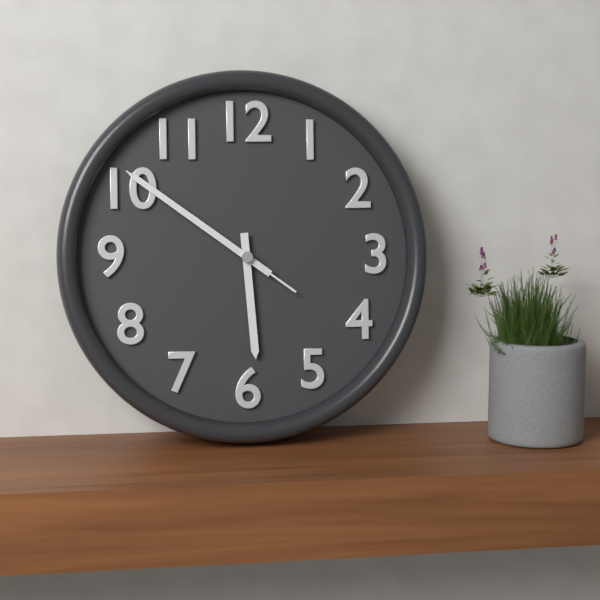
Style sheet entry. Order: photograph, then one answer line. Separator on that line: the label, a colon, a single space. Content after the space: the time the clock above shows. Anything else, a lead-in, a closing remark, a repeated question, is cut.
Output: 5:51:51
